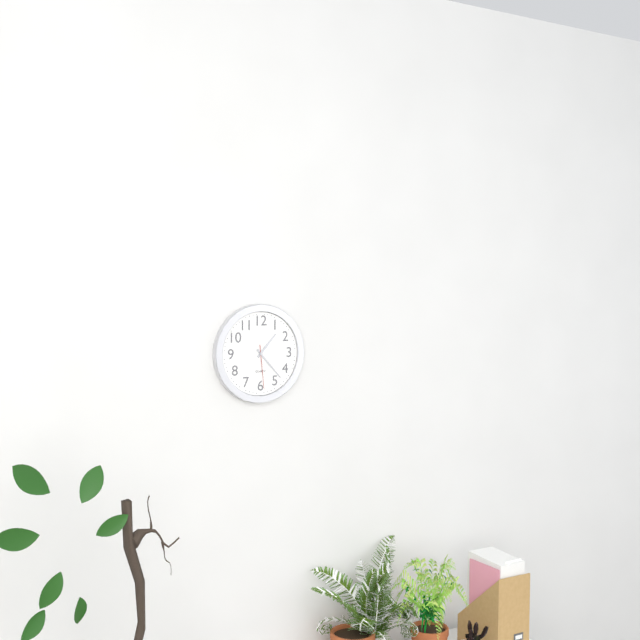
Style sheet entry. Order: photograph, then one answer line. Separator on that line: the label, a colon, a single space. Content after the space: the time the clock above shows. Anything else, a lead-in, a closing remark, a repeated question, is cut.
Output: 1:23
